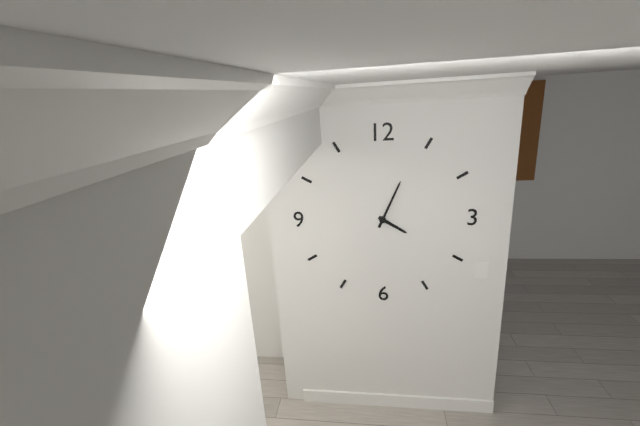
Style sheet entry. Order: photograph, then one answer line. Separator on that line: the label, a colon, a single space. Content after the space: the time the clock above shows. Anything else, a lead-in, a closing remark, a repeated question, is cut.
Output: 4:04
